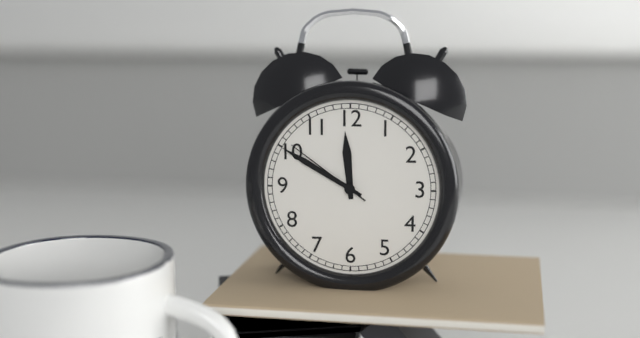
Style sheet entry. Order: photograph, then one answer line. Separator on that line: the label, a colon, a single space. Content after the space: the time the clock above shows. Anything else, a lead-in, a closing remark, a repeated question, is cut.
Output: 11:50:51
